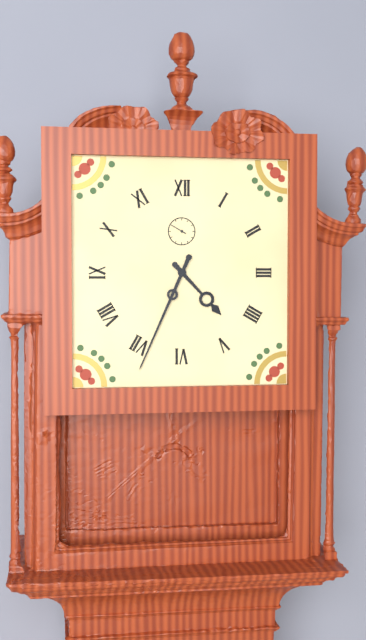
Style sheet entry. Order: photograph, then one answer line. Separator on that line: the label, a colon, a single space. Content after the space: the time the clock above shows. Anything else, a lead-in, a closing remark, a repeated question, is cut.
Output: 4:34
